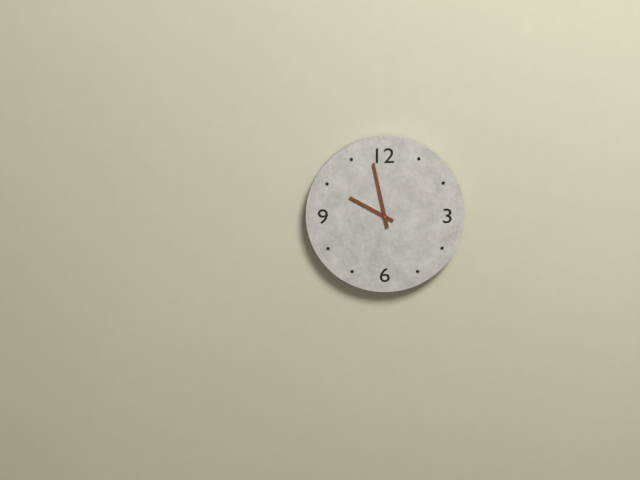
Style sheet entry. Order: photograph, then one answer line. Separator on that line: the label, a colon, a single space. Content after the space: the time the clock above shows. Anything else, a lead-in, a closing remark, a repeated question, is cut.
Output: 9:58
